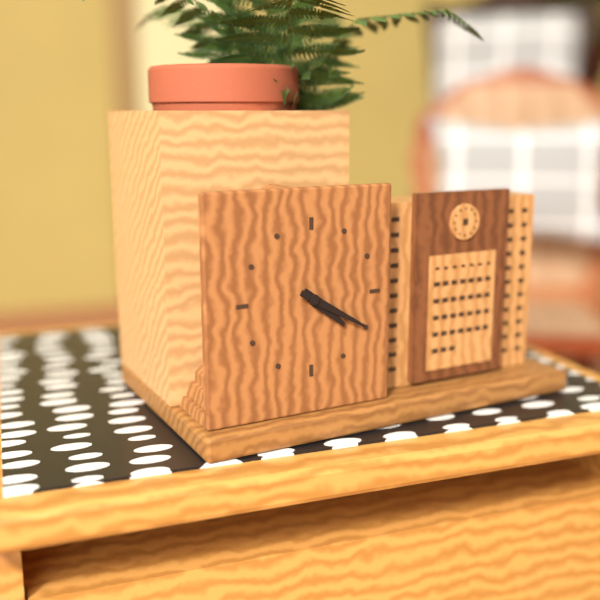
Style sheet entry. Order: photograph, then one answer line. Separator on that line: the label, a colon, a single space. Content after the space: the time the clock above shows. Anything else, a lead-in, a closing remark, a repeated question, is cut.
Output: 4:20
